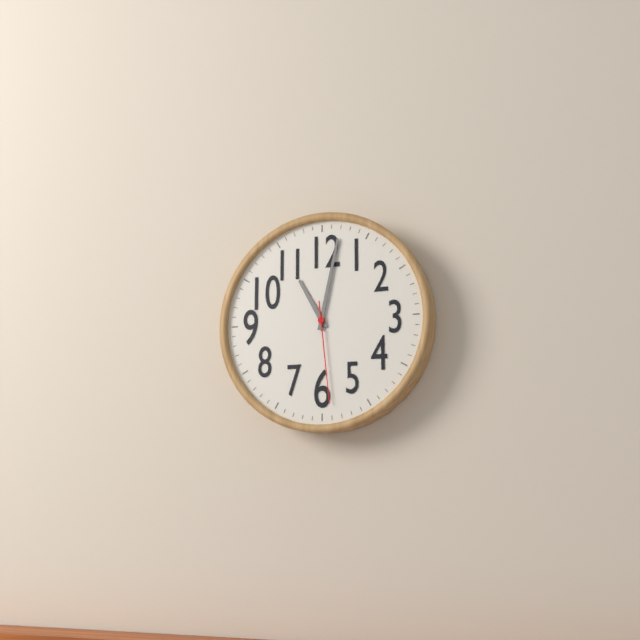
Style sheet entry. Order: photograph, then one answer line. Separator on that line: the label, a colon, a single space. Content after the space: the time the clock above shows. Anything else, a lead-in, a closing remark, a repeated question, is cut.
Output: 11:02:29
